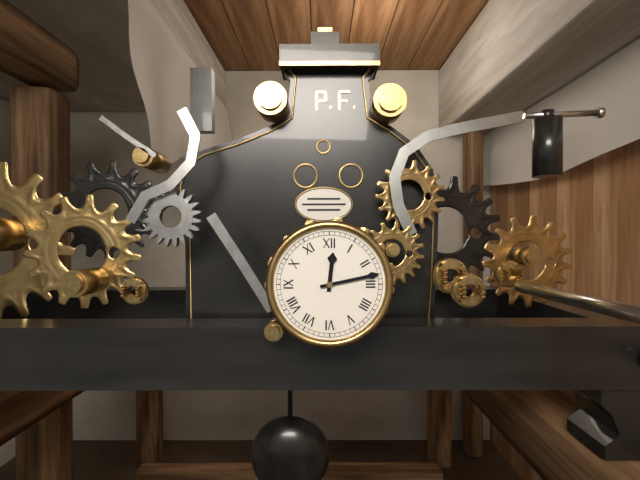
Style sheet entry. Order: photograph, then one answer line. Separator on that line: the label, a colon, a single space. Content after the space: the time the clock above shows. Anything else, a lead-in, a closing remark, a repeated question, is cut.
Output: 12:13
